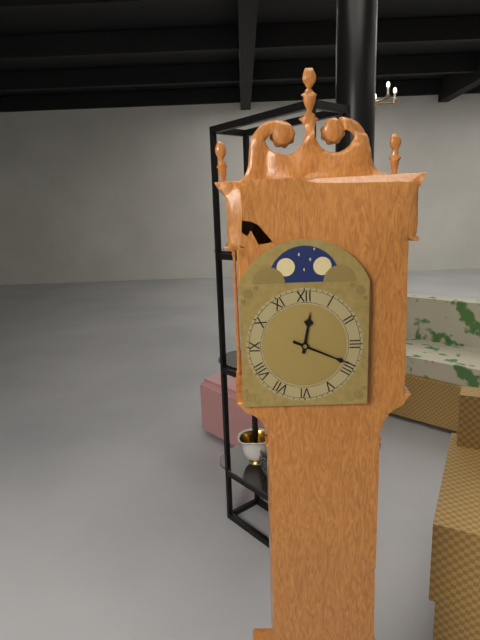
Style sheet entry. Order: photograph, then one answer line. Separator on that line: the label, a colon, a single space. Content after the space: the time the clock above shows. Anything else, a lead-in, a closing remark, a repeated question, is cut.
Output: 12:19
